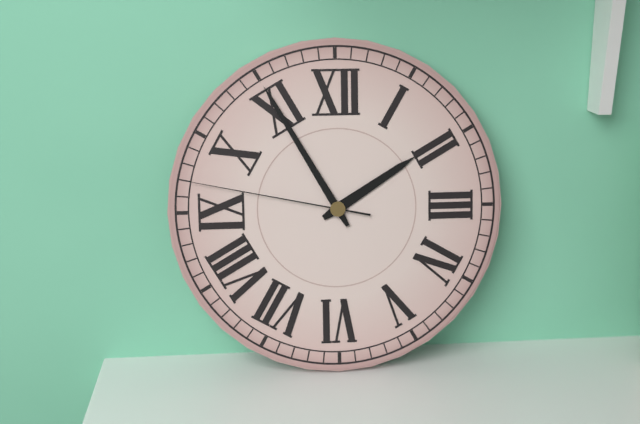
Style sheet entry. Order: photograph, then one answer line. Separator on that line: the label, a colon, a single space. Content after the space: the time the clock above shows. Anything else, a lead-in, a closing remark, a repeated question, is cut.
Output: 1:55:47
